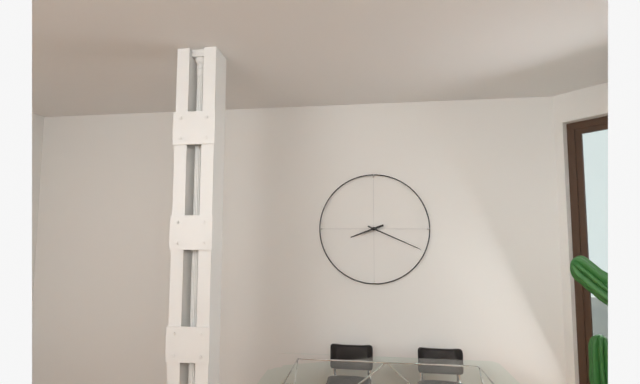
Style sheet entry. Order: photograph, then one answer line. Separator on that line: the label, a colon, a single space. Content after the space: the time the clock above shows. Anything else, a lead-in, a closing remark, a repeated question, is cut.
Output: 8:19
